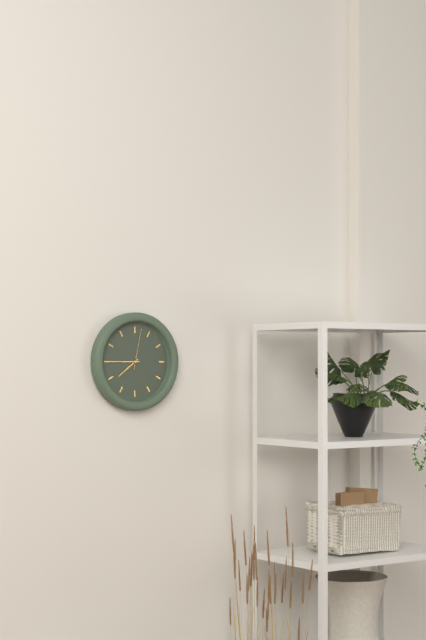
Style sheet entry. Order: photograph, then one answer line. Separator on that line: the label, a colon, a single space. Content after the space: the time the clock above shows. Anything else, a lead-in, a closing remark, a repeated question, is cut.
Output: 7:45
